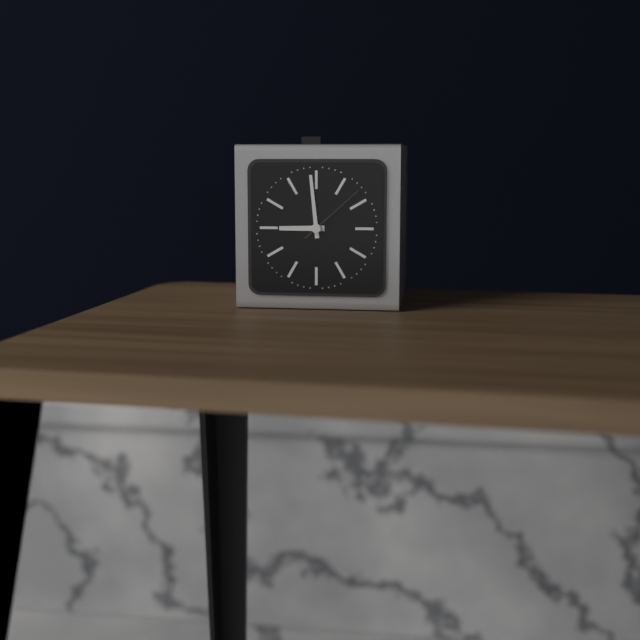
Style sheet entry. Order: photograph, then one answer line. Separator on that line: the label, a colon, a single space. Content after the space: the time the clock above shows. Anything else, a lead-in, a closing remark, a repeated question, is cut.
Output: 8:59:08
